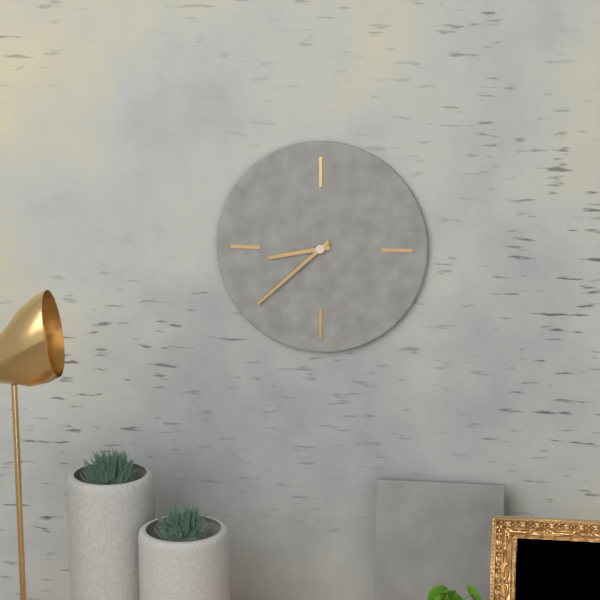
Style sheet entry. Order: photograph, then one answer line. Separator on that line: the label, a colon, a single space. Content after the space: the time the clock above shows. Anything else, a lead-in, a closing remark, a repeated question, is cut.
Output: 8:38
